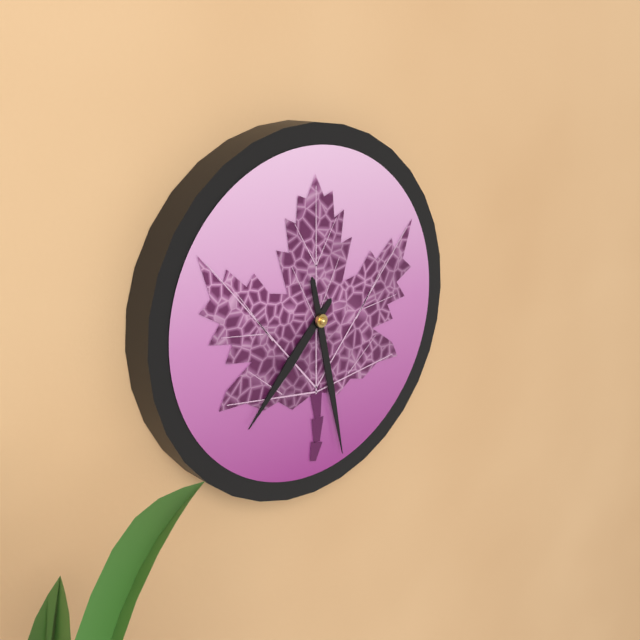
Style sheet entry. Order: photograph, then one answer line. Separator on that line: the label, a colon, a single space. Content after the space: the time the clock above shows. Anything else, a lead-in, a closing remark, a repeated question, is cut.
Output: 7:28
